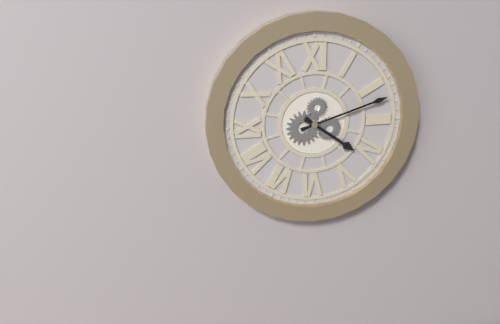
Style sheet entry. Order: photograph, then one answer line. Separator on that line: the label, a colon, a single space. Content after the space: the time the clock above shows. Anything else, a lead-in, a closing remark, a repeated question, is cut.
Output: 4:12
